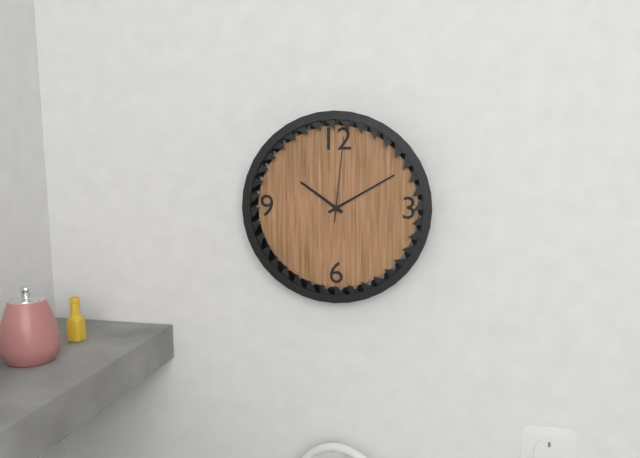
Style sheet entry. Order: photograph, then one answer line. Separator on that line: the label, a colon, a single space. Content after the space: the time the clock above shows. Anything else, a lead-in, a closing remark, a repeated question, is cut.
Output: 10:10:01
